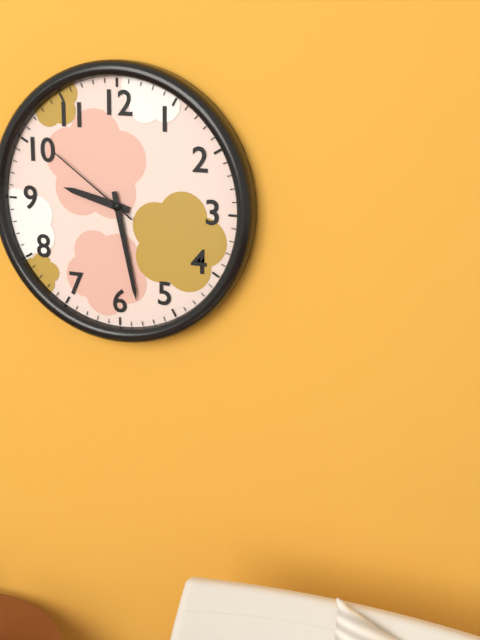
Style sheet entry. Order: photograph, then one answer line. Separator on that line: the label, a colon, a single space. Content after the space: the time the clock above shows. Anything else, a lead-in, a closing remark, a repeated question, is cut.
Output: 9:28:51
